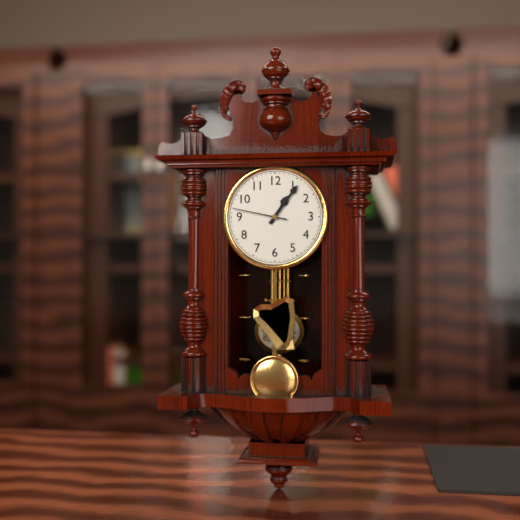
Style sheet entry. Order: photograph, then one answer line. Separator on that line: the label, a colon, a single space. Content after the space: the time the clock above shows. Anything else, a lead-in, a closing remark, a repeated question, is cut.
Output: 1:06:47
